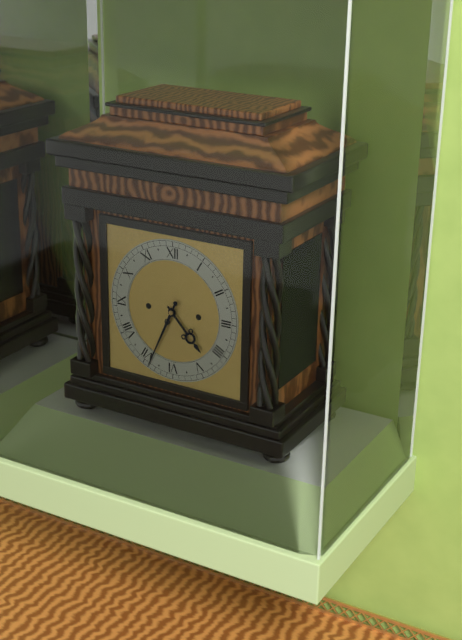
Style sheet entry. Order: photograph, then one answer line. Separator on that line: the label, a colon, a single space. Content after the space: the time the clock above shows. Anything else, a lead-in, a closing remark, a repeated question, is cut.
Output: 4:34
